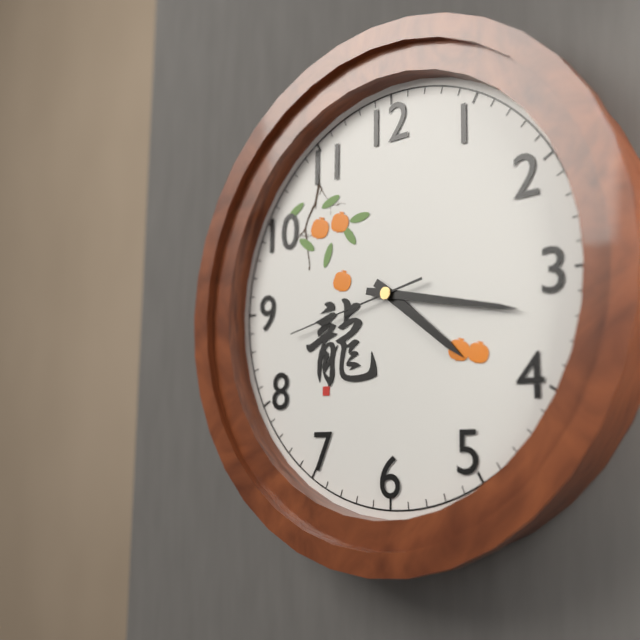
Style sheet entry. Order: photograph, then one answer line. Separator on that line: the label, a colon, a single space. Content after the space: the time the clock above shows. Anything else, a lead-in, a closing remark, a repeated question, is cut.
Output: 4:17:43
